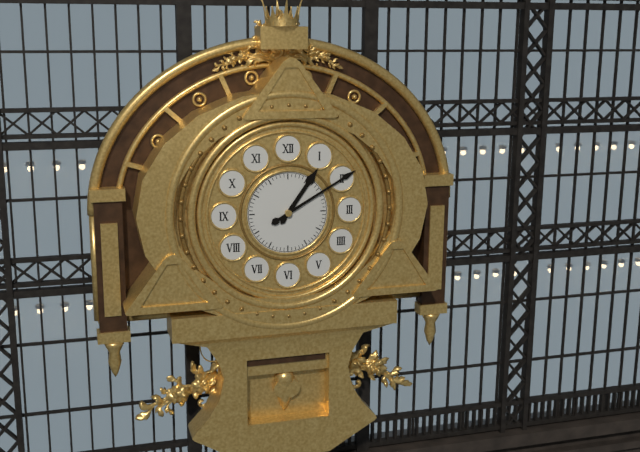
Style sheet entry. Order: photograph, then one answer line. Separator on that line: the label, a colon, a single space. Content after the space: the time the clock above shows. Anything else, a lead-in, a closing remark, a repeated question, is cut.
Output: 1:10
